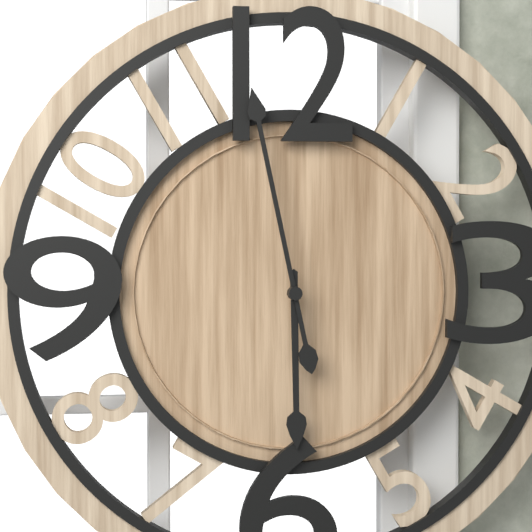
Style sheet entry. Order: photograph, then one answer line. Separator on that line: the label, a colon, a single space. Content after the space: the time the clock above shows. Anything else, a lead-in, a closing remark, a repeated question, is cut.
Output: 5:58
